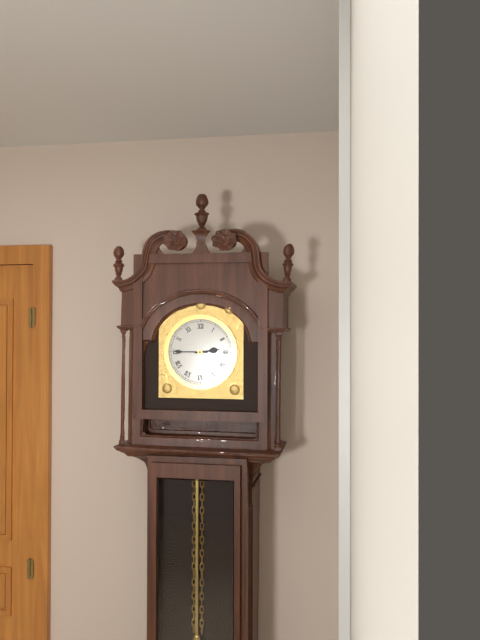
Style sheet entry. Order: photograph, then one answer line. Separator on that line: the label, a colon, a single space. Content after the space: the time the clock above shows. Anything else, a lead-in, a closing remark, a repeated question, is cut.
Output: 2:45
